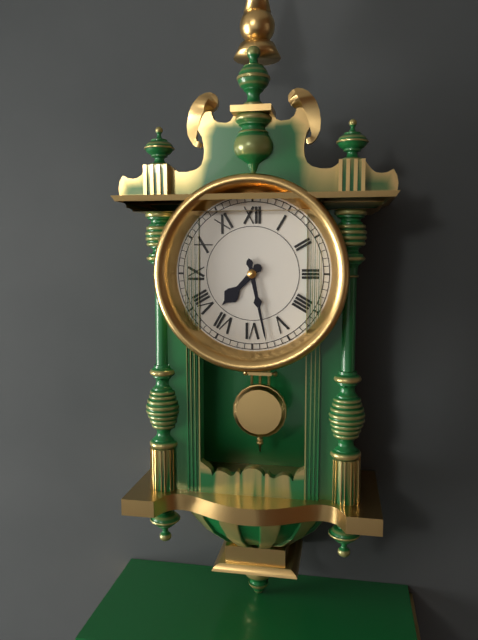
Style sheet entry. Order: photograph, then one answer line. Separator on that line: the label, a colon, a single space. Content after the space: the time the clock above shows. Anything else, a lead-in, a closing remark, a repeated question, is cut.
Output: 7:28
